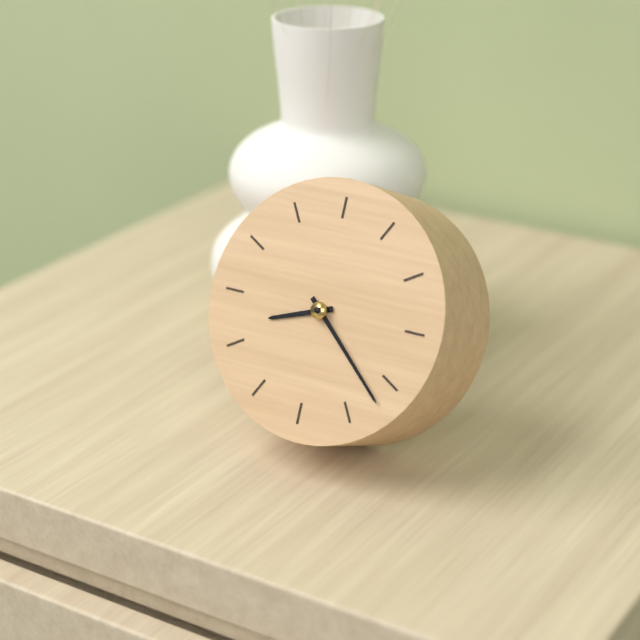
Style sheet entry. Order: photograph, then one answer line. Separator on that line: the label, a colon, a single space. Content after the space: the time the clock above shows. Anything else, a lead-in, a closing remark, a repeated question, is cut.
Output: 8:22
